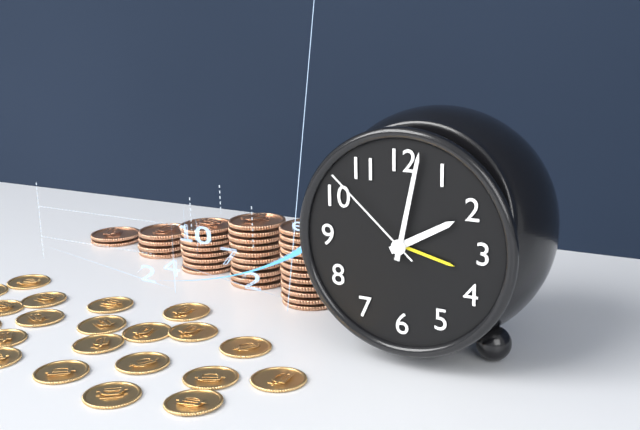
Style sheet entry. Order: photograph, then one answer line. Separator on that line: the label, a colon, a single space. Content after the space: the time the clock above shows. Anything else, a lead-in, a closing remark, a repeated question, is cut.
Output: 2:02:52
